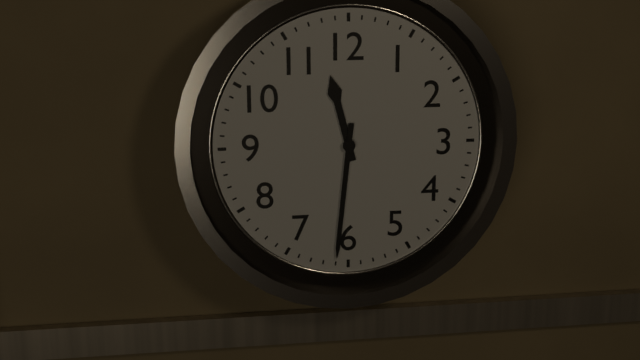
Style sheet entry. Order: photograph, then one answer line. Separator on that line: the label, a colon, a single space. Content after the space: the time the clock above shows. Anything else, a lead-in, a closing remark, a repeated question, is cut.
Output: 11:31
